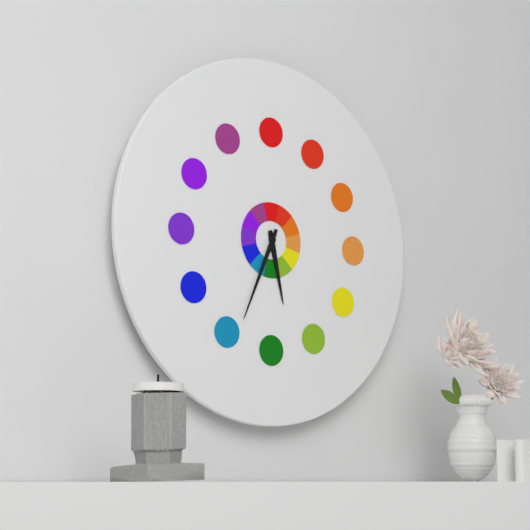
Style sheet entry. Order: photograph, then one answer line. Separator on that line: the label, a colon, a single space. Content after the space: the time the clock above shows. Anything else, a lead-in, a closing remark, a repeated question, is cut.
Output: 5:34
